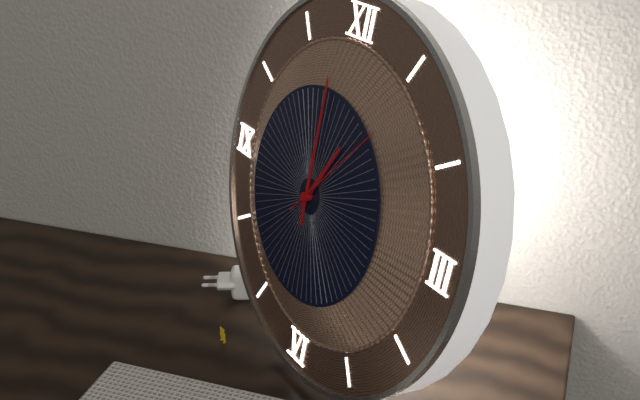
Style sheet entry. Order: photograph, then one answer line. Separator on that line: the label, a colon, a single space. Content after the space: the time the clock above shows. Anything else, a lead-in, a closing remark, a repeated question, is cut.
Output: 1:00:07
